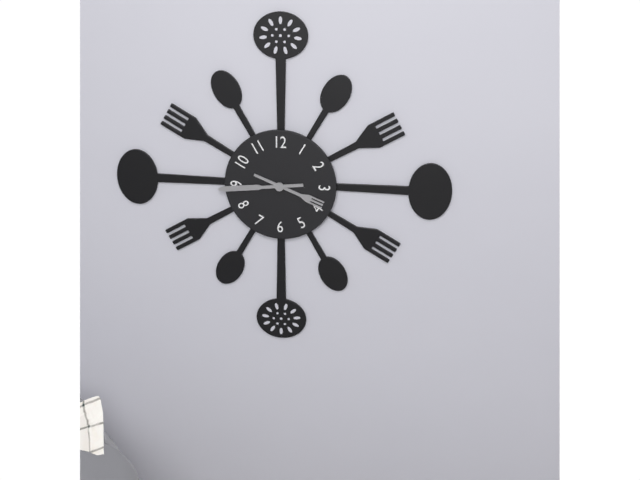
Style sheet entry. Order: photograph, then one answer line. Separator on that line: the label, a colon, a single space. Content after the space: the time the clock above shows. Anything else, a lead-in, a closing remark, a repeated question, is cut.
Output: 3:44
